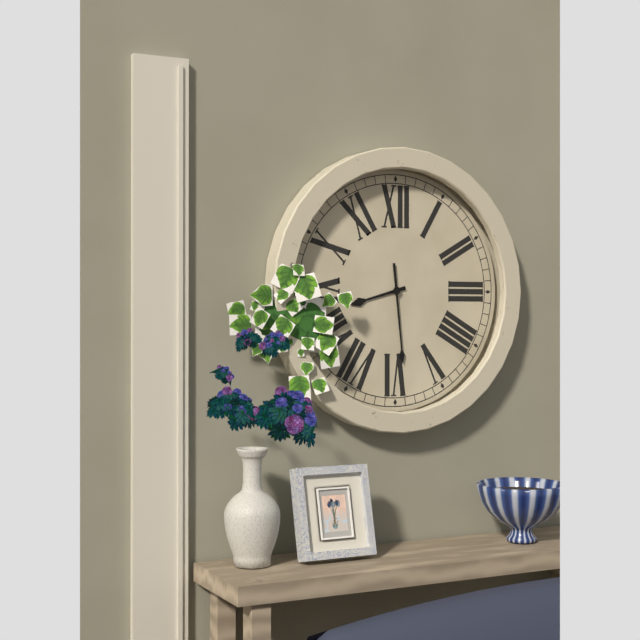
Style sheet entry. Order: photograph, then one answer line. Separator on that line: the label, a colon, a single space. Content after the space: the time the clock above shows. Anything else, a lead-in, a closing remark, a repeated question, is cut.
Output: 8:29
